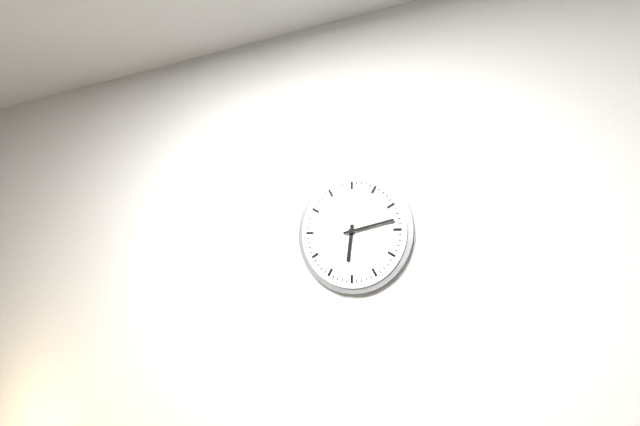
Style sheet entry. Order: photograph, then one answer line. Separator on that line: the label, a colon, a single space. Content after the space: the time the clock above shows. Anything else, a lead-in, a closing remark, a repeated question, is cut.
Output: 6:13
